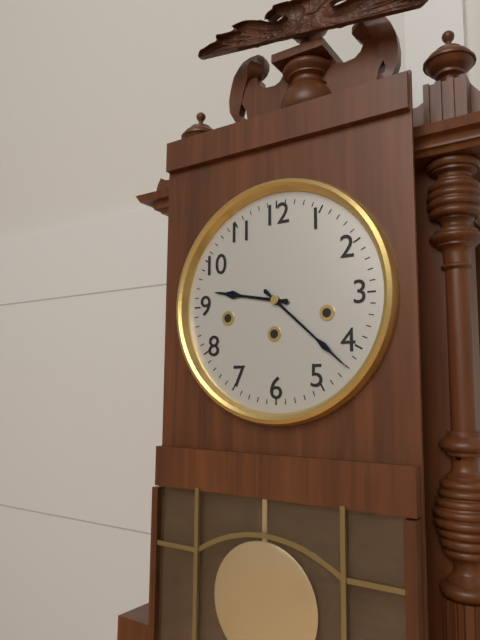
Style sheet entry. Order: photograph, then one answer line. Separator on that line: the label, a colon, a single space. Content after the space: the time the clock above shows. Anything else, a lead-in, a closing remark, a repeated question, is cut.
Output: 9:22
